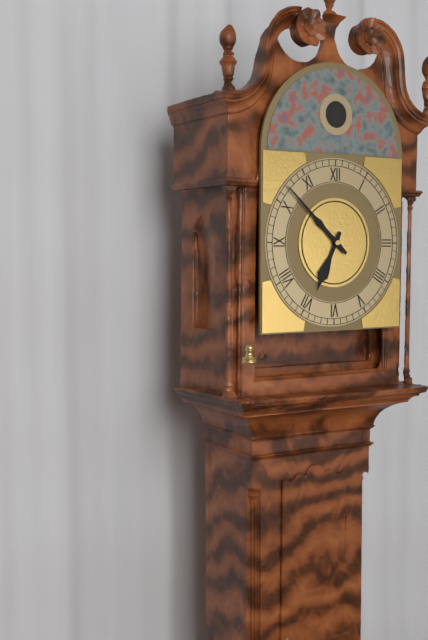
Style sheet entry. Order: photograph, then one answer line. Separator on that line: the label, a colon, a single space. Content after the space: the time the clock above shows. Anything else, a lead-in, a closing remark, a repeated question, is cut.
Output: 6:52
